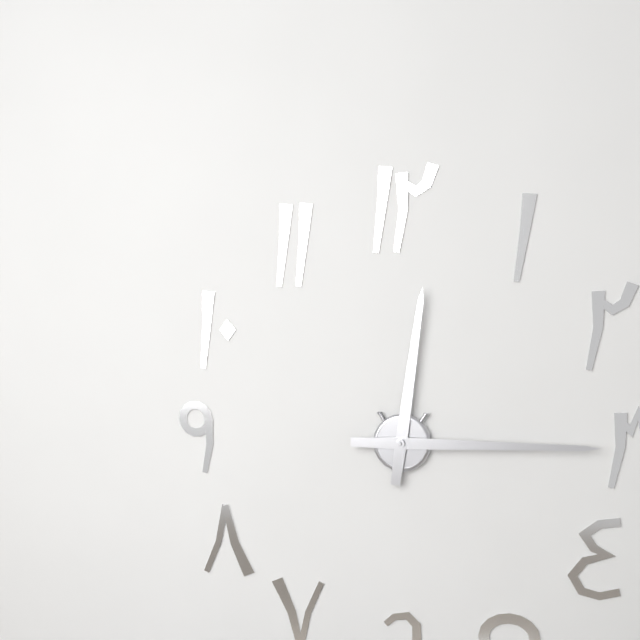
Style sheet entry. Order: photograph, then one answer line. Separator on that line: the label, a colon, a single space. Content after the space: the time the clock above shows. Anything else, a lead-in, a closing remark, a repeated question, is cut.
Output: 12:15
